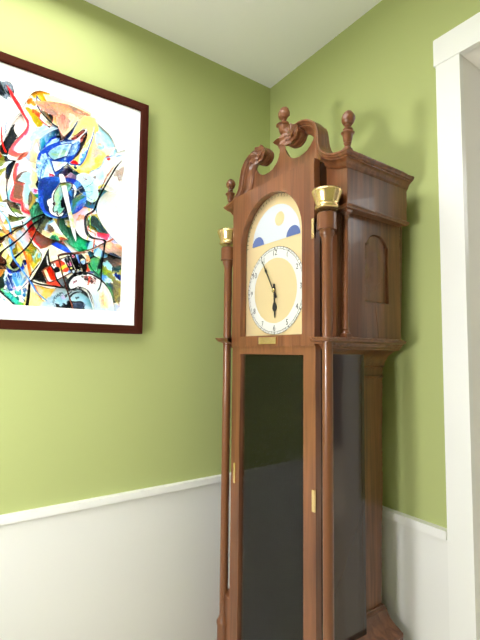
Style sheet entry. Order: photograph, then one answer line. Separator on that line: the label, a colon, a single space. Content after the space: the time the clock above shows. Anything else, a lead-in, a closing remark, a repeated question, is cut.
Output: 5:55
